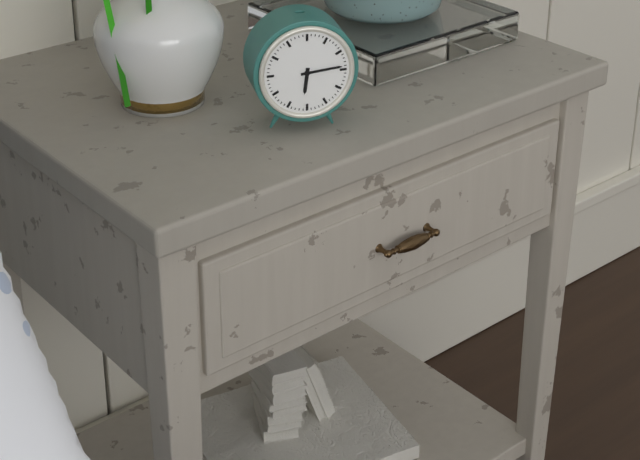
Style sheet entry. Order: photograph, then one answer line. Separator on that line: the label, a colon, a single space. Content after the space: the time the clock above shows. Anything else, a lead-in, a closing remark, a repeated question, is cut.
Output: 6:14
